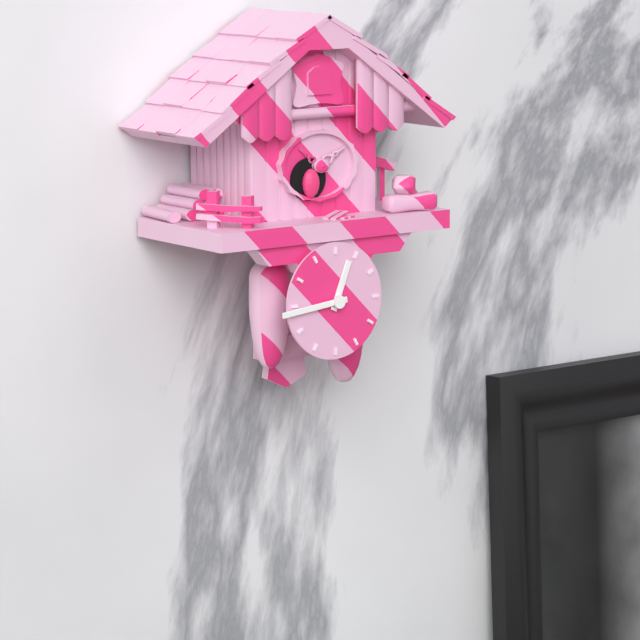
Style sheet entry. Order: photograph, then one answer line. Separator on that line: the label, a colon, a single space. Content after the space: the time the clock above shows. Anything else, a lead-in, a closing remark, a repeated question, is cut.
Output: 12:44
